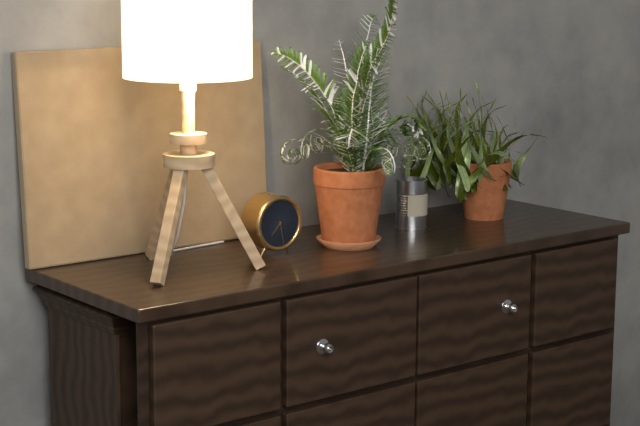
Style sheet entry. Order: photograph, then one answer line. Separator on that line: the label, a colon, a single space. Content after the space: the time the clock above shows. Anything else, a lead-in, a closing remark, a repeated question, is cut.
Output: 7:28
